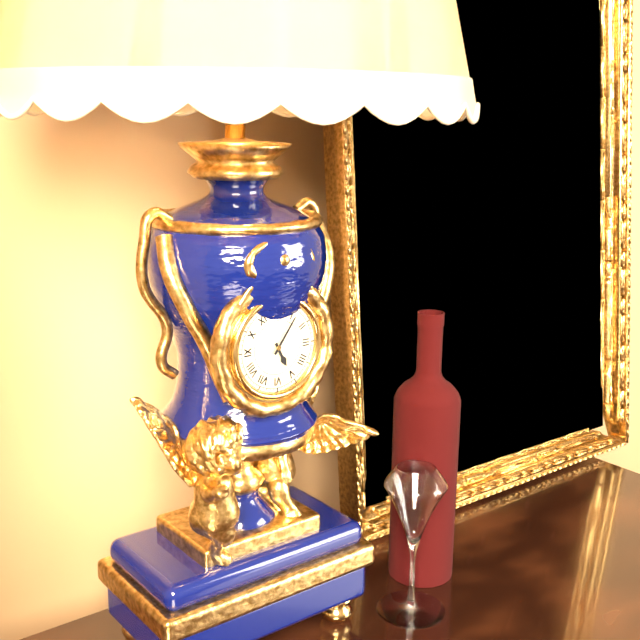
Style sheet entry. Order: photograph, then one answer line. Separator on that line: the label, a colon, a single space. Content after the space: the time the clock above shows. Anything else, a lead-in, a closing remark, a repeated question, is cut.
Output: 5:06
